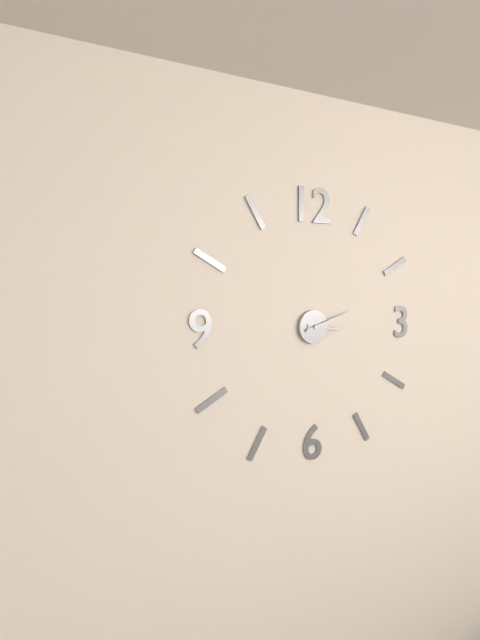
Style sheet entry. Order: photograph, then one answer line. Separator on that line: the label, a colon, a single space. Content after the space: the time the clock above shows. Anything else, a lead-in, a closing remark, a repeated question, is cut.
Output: 3:12
